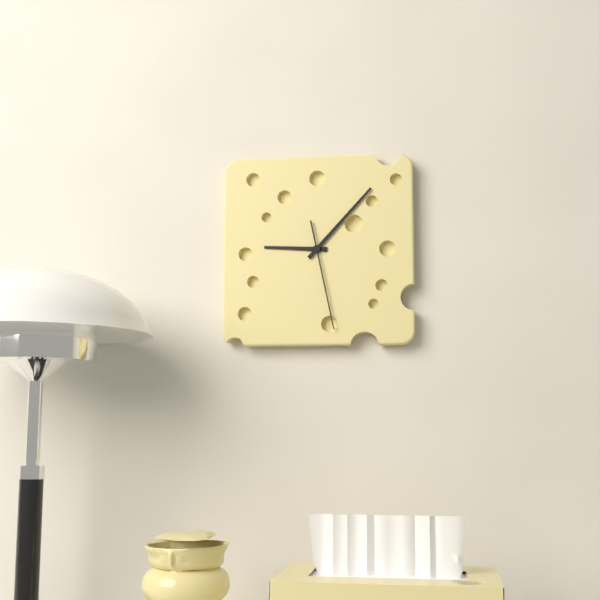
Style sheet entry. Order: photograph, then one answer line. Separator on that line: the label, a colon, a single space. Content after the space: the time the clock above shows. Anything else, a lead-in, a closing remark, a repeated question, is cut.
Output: 9:07:28
